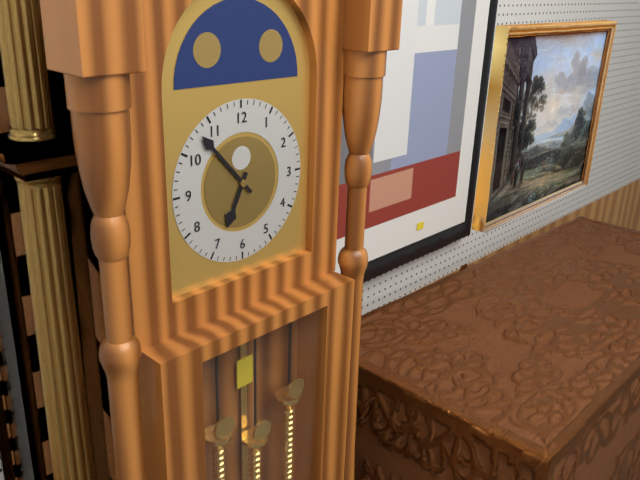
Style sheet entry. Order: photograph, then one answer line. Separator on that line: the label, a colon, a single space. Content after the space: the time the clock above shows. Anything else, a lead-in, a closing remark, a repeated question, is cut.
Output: 6:53
